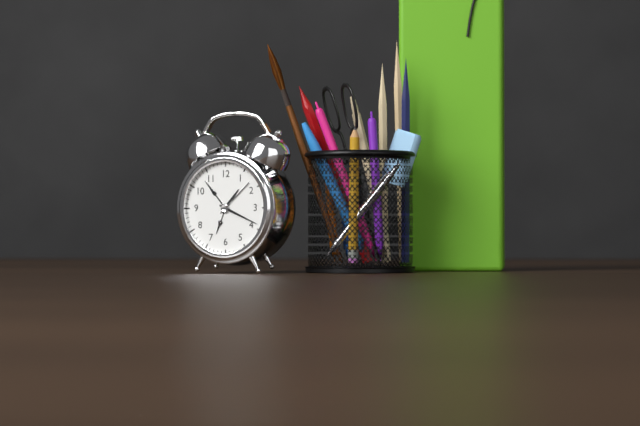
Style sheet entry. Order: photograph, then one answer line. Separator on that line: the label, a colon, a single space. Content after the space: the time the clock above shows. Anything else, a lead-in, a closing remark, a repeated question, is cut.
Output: 1:19
